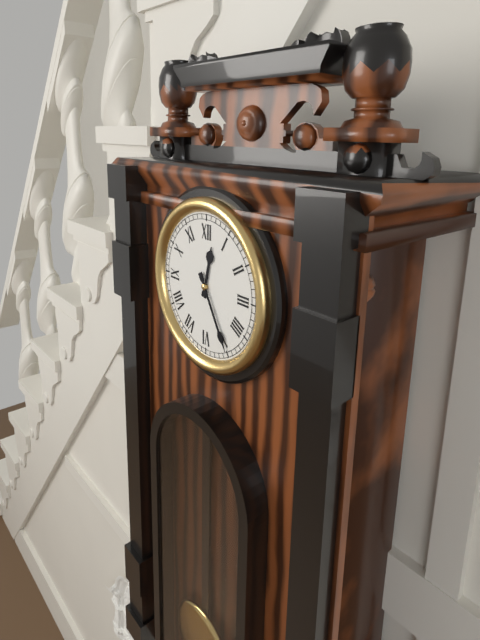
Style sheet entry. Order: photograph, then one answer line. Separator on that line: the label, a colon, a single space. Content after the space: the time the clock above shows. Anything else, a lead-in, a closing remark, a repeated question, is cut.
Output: 12:25
